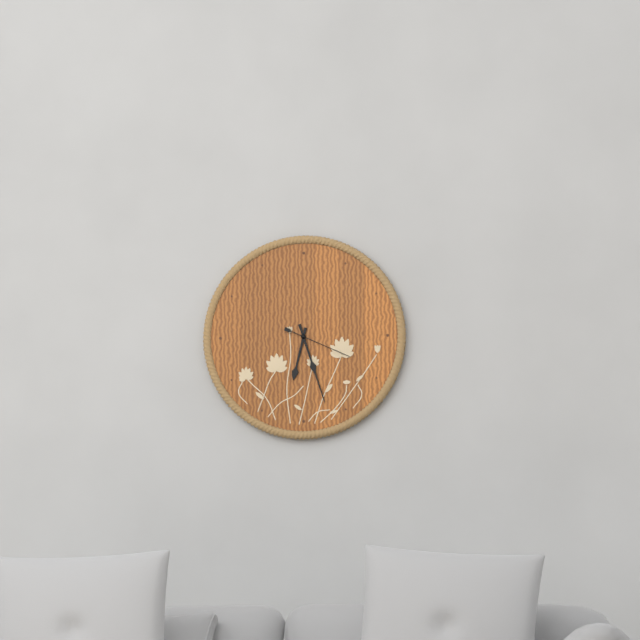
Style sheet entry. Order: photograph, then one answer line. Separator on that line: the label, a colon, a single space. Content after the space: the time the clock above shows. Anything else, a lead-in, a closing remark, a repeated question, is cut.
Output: 6:27:19
